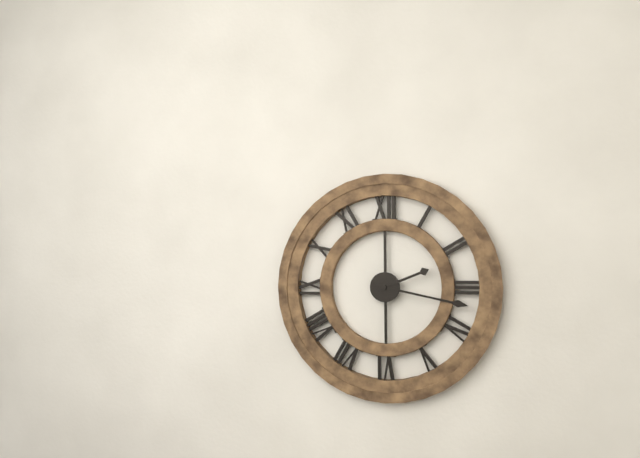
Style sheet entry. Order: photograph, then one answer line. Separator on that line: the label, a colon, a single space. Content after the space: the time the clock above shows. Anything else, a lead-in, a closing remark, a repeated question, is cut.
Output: 2:17
